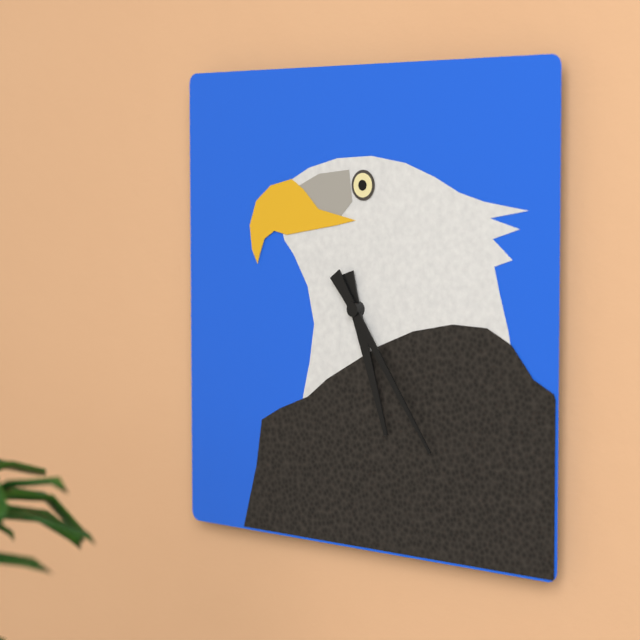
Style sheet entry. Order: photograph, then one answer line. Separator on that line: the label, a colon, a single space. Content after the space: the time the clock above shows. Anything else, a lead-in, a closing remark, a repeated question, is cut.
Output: 5:24
